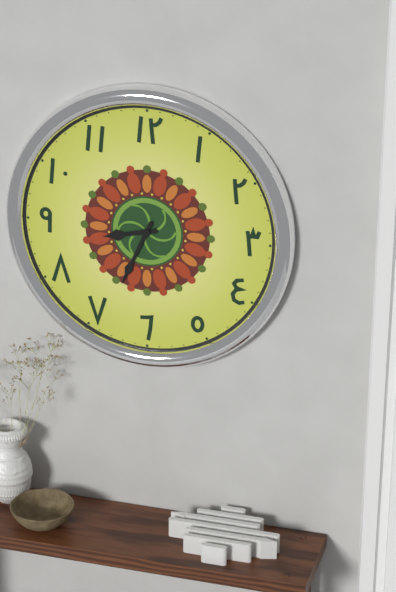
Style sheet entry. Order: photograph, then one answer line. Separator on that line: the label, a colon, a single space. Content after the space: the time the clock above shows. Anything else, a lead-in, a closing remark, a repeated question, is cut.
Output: 8:34
